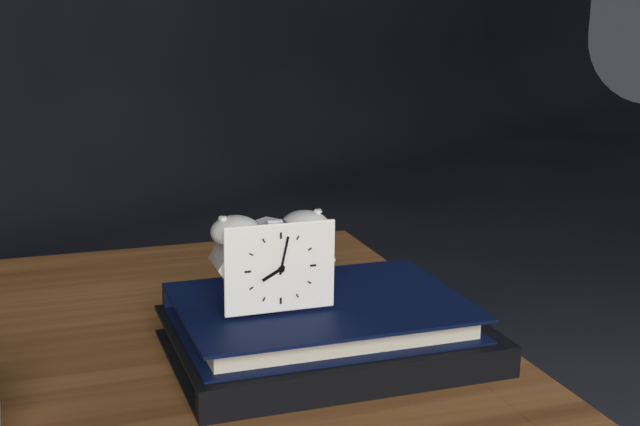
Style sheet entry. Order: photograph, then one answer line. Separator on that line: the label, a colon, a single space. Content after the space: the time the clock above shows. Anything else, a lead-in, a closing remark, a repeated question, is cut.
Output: 8:02
